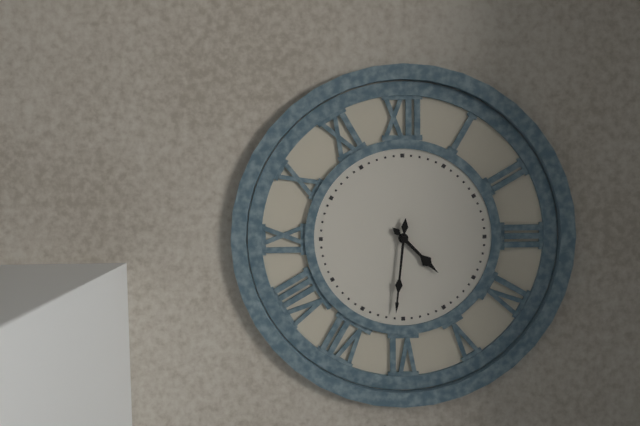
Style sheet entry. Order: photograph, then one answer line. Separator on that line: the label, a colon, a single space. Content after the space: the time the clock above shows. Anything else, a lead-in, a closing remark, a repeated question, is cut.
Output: 4:31
